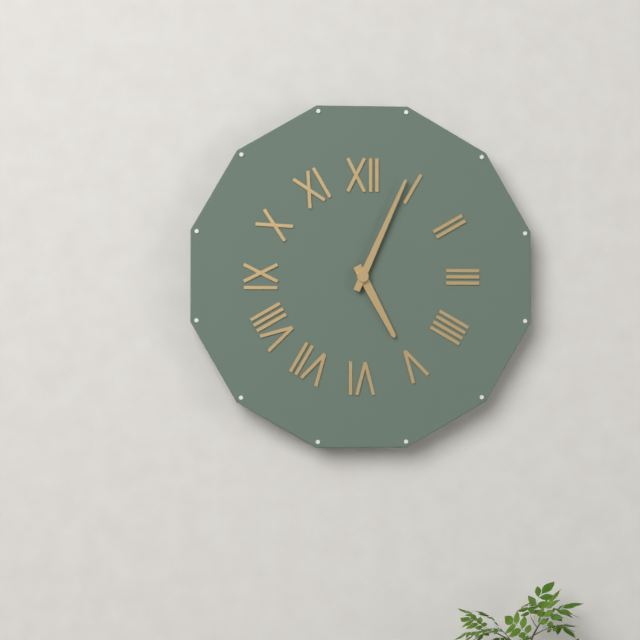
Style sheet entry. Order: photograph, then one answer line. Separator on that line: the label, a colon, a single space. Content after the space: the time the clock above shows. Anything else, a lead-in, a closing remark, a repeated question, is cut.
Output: 5:04
